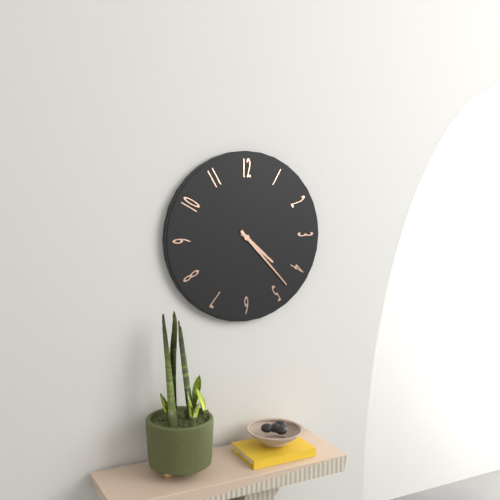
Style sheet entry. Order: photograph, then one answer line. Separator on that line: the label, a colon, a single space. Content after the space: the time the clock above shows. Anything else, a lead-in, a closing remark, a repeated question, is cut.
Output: 4:23
